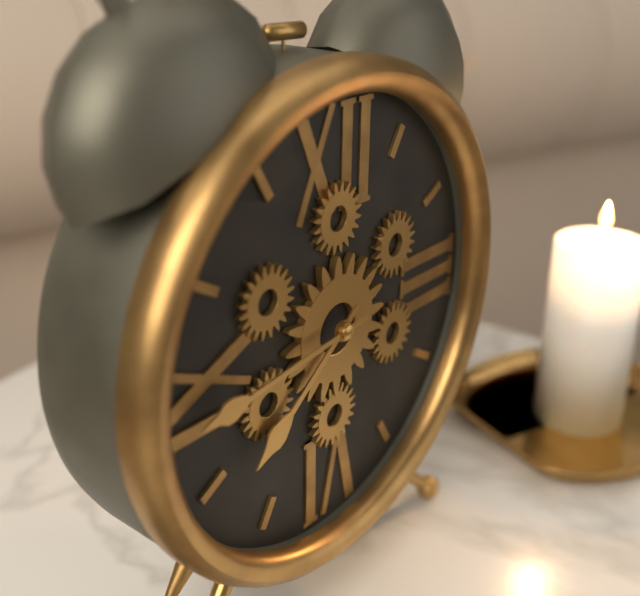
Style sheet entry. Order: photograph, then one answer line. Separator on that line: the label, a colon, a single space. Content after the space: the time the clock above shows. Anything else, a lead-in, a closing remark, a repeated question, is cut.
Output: 7:44
